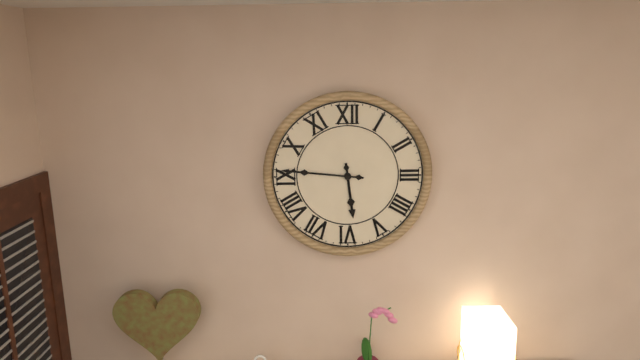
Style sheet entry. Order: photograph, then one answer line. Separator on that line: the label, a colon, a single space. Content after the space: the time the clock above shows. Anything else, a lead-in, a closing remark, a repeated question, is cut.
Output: 5:46
